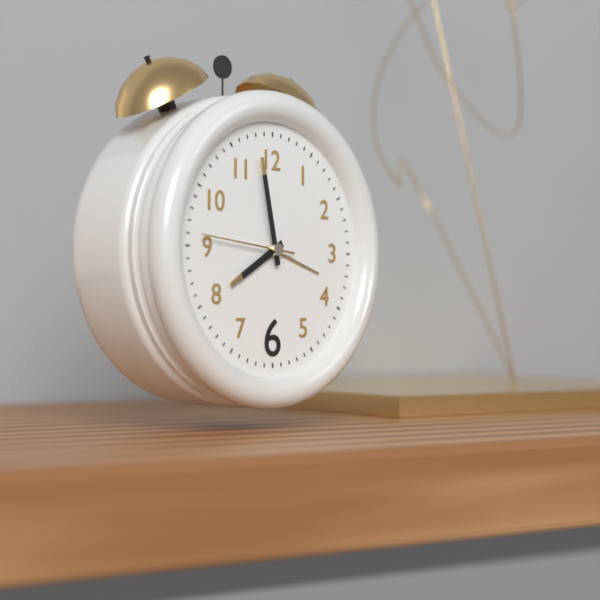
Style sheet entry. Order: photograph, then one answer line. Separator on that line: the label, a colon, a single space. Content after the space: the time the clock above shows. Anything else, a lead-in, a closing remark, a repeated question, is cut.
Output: 7:58:46
